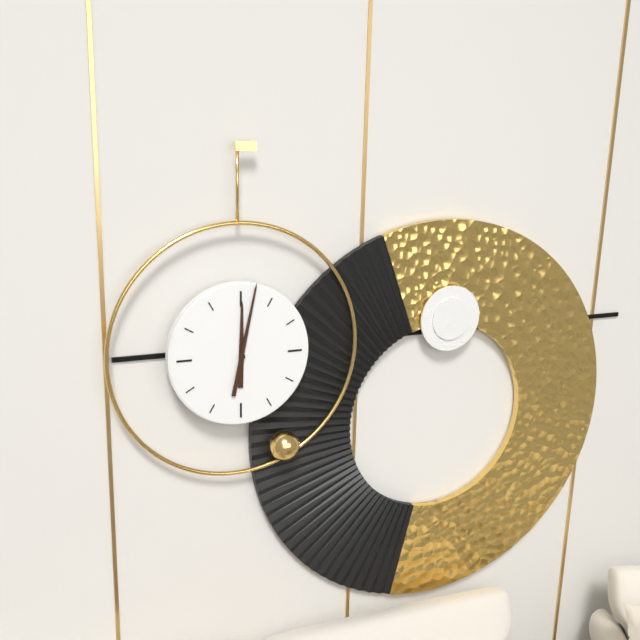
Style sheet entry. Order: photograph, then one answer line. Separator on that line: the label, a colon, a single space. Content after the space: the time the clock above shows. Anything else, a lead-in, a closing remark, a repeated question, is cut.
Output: 12:02
